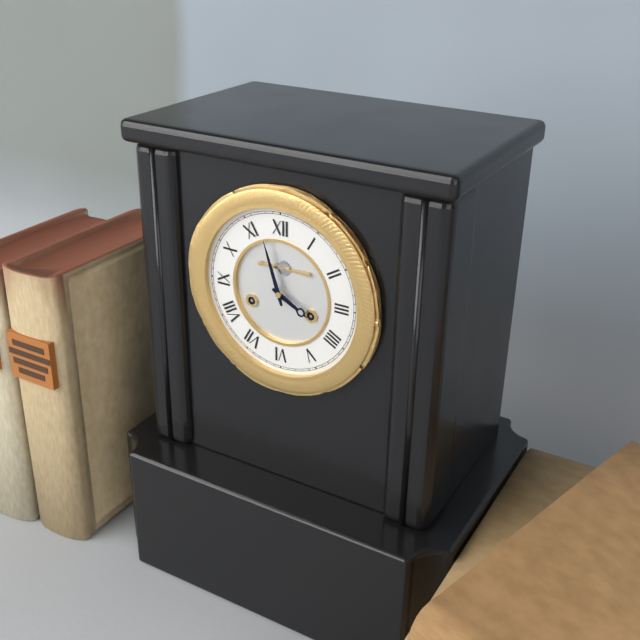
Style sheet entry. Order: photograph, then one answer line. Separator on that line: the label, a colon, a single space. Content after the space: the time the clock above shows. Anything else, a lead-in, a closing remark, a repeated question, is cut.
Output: 3:57
